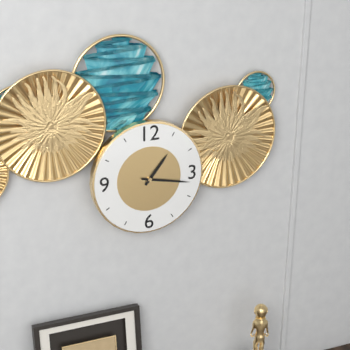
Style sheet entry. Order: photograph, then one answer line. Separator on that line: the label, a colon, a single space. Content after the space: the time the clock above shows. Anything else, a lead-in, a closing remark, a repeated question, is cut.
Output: 1:17
